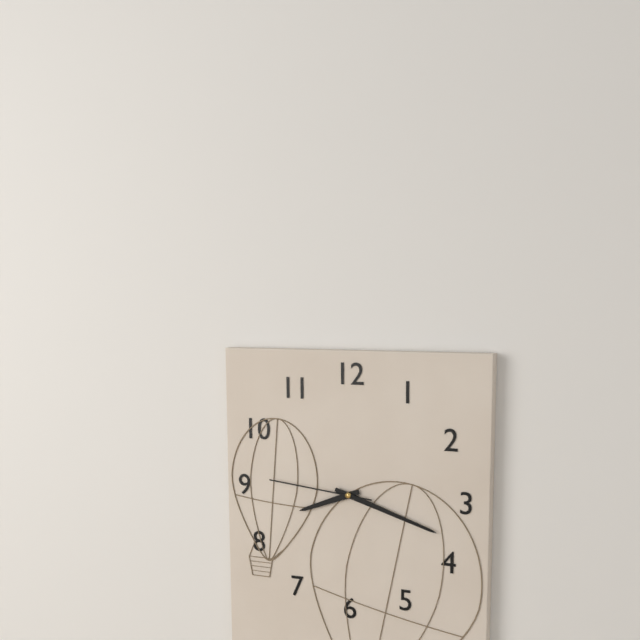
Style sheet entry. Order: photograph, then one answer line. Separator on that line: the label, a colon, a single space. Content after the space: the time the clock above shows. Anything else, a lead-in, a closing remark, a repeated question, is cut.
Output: 8:18:46
